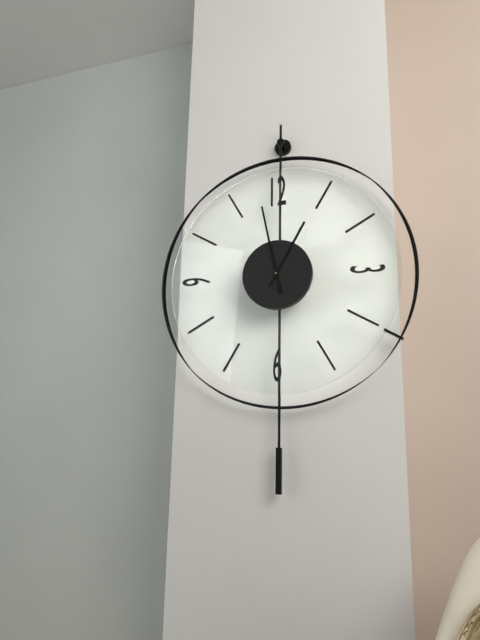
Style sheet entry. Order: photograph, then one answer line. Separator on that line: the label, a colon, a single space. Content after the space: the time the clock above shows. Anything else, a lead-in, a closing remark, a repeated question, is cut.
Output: 12:58
